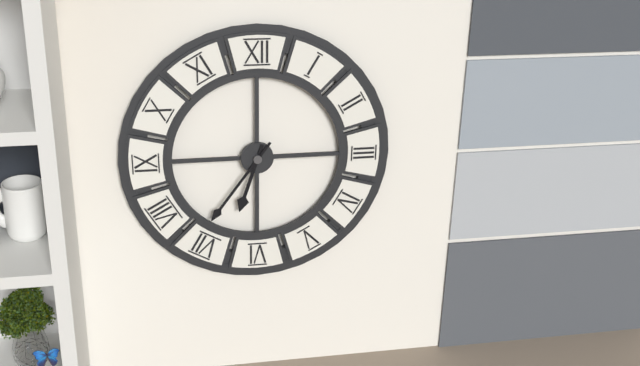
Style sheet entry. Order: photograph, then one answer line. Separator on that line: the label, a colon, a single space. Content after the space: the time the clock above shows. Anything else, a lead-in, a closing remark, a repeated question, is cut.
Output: 6:36
